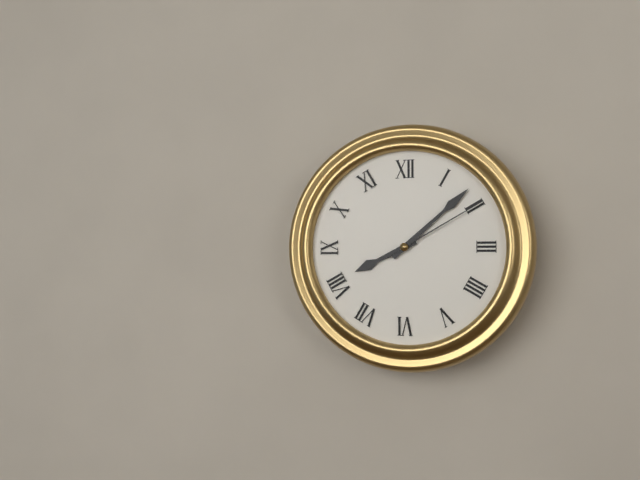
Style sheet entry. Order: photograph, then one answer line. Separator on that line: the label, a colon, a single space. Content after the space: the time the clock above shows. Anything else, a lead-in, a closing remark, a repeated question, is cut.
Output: 8:08:10
